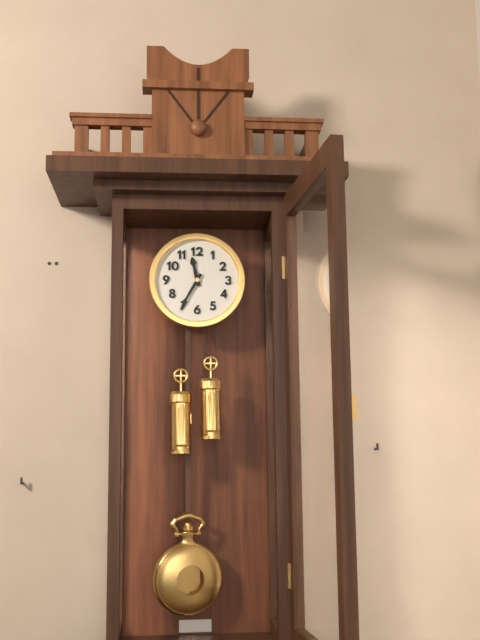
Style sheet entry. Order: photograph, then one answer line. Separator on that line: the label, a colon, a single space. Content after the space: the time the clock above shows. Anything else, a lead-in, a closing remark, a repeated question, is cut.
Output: 11:35
